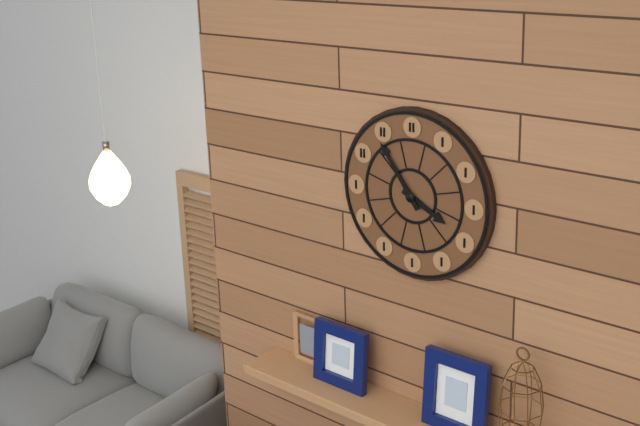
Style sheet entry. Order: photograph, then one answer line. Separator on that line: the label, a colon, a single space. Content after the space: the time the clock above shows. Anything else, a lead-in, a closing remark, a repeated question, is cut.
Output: 3:54
